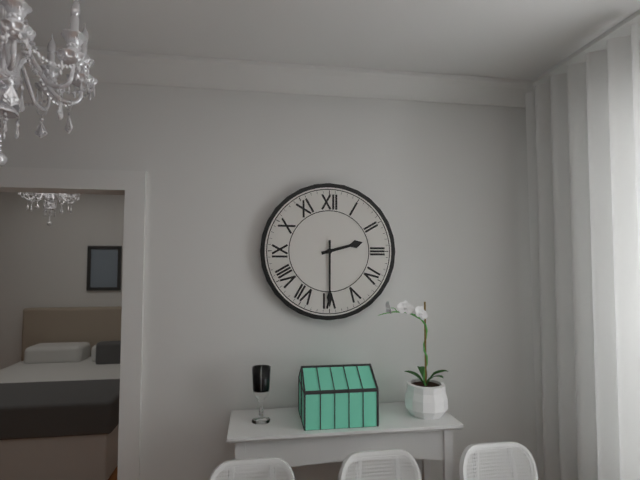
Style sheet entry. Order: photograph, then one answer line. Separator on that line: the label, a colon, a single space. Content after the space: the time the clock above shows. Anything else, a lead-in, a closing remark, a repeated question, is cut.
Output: 2:30
